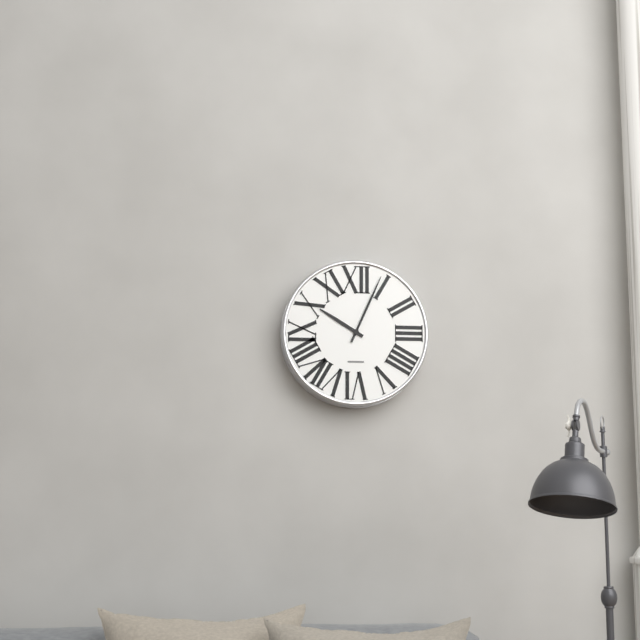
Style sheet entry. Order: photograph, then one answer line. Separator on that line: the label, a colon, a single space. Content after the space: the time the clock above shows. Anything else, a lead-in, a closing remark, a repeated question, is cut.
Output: 10:04
